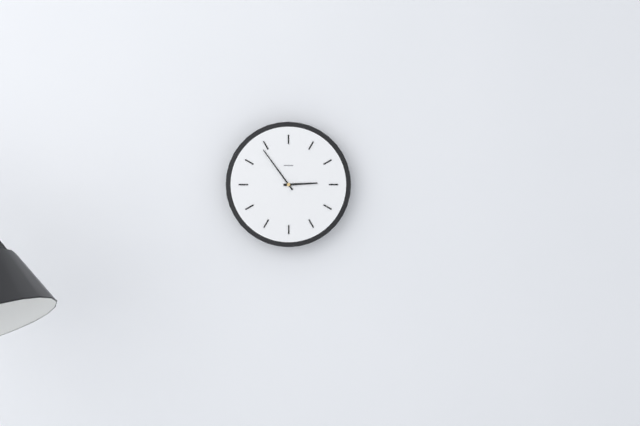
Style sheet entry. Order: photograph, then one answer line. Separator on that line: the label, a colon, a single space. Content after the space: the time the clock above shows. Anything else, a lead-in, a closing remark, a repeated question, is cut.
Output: 2:54
